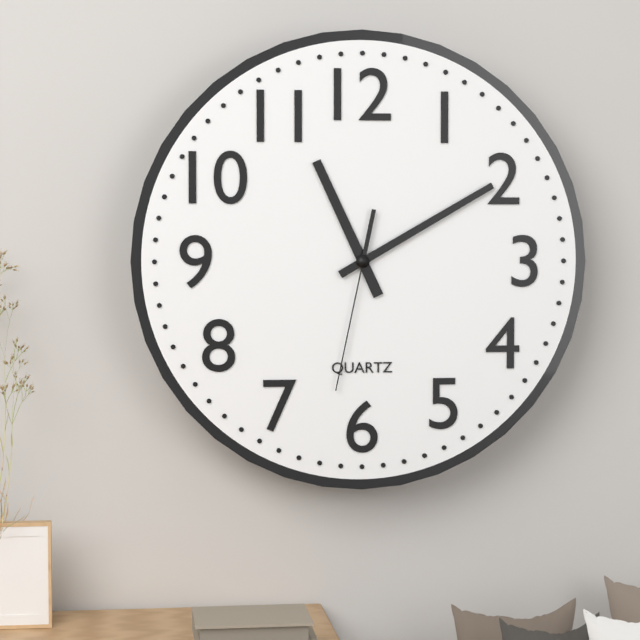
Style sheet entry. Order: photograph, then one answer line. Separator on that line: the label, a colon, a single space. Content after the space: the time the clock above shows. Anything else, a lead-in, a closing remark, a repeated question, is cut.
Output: 11:10:32
